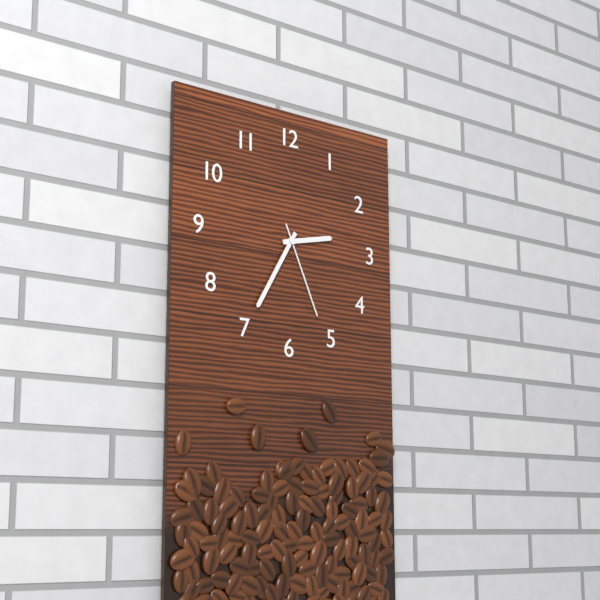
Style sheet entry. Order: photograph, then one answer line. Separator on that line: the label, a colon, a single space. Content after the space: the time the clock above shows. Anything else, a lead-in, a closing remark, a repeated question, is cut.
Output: 2:35:26
